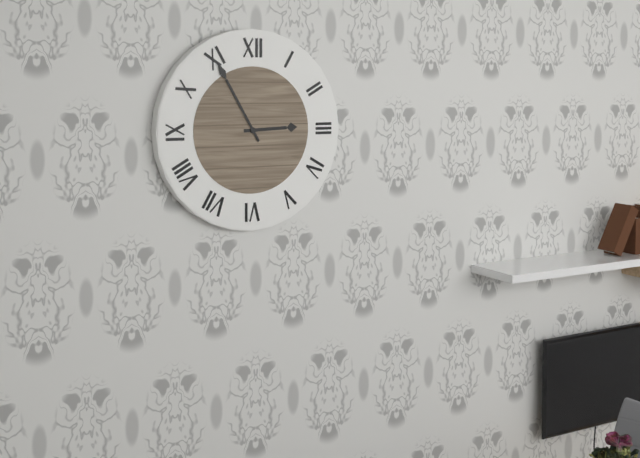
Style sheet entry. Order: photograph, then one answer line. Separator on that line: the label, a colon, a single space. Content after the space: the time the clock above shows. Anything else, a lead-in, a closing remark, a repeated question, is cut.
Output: 2:55
